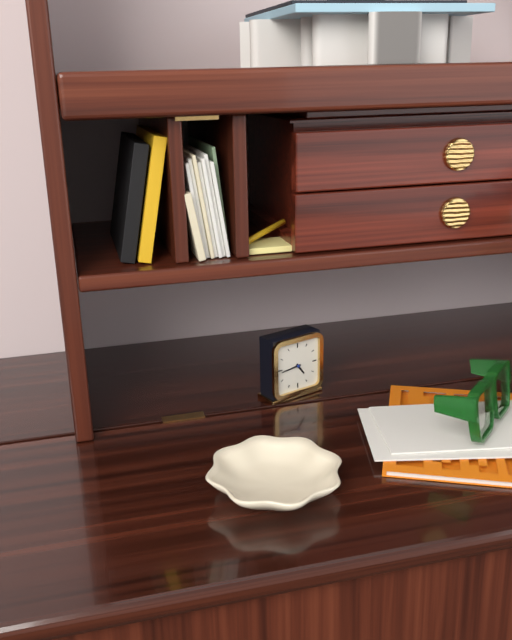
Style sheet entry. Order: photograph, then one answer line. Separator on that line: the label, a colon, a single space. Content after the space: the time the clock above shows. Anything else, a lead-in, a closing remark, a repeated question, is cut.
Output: 4:44
